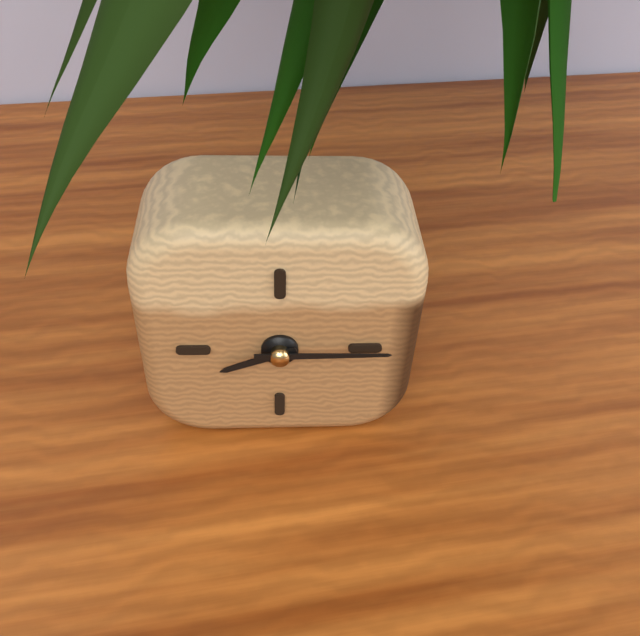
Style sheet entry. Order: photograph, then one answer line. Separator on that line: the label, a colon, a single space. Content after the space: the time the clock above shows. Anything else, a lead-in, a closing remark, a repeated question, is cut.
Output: 8:15
